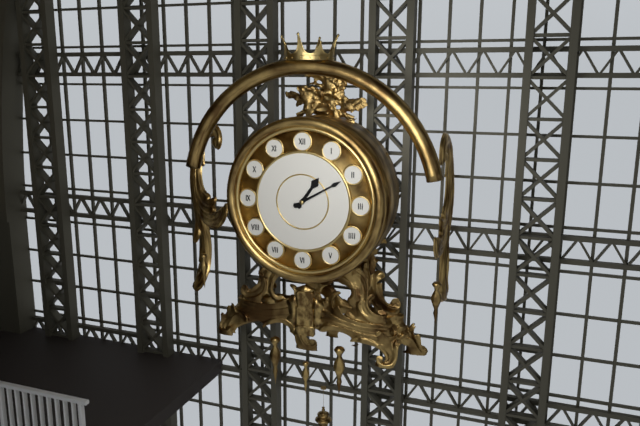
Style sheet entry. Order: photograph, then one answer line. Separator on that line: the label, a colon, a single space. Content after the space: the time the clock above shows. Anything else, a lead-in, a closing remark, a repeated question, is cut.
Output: 1:10
